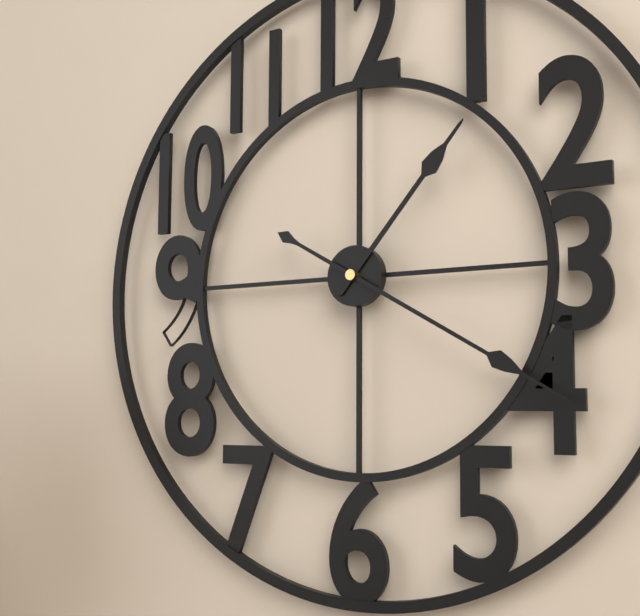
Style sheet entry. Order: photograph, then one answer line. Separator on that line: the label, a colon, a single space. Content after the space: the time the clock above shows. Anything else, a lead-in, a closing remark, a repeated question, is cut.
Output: 1:20
